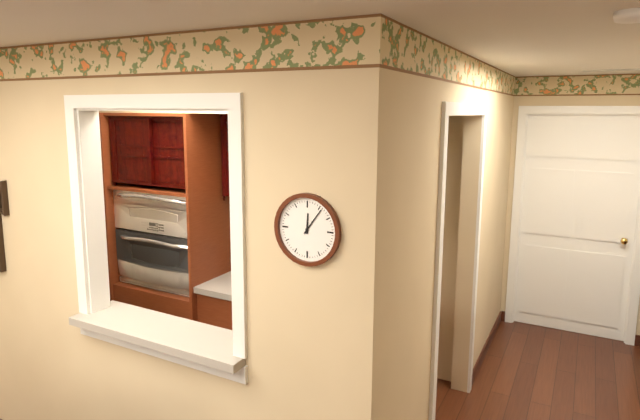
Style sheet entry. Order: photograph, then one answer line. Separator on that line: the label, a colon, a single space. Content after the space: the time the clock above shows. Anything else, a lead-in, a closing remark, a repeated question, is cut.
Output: 12:06
